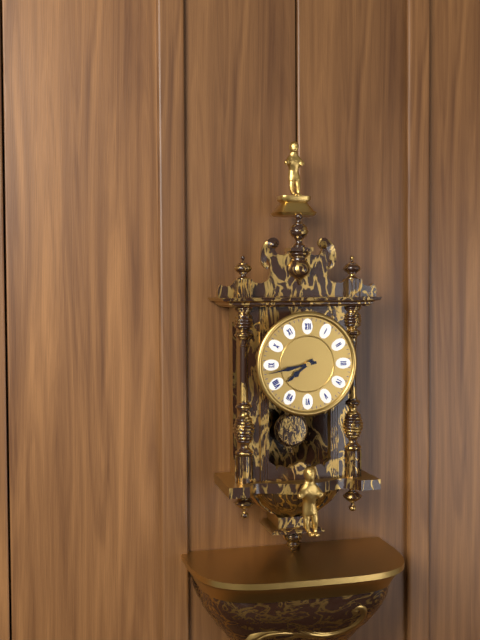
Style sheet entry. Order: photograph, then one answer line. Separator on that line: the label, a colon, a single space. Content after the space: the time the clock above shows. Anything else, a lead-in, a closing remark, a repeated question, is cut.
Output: 7:43
